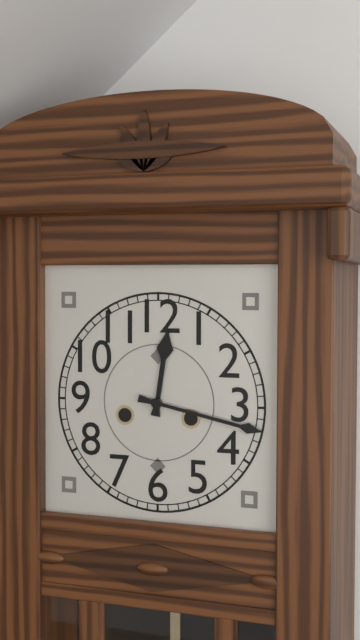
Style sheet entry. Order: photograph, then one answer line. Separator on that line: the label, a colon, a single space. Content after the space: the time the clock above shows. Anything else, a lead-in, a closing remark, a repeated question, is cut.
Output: 12:17
